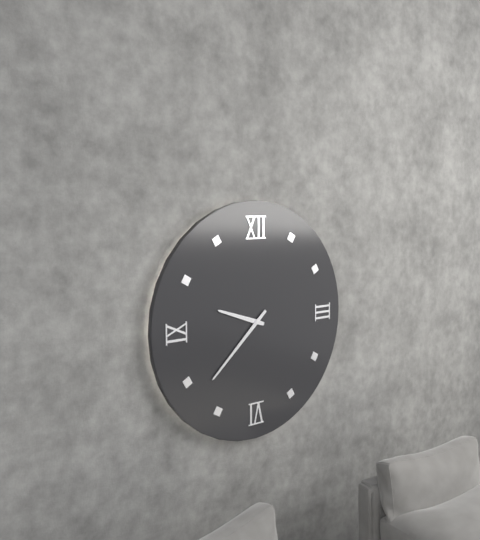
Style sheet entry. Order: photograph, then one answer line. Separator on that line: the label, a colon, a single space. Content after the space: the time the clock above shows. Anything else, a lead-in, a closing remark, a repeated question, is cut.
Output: 9:38
